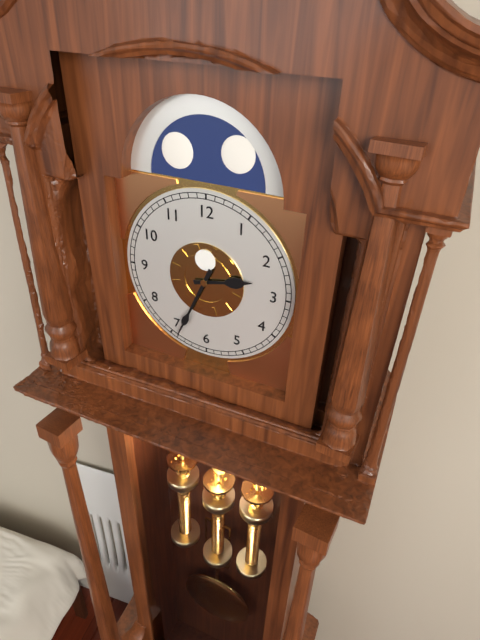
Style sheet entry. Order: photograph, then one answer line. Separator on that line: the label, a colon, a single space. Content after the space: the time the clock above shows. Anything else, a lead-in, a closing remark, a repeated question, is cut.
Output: 2:34
